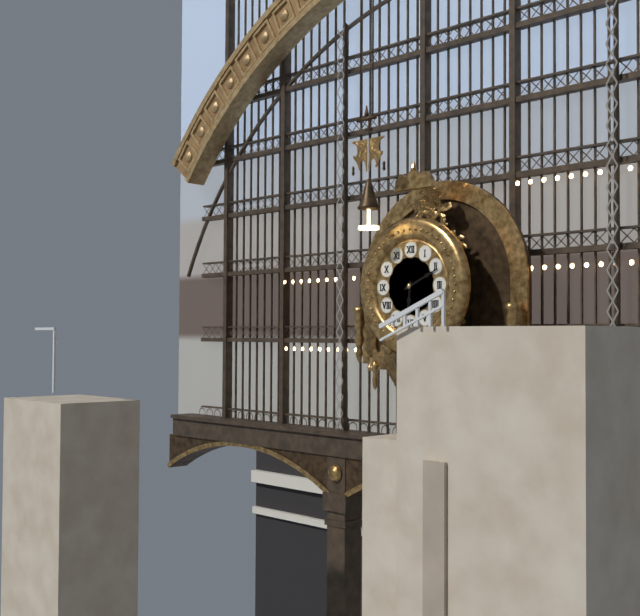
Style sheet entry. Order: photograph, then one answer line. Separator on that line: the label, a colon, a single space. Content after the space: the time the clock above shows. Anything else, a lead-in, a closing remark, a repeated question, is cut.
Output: 6:11
